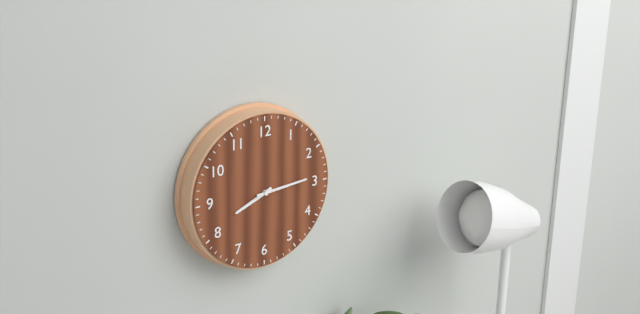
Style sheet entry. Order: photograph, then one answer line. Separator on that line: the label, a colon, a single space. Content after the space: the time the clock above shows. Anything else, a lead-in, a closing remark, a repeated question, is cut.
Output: 8:14
